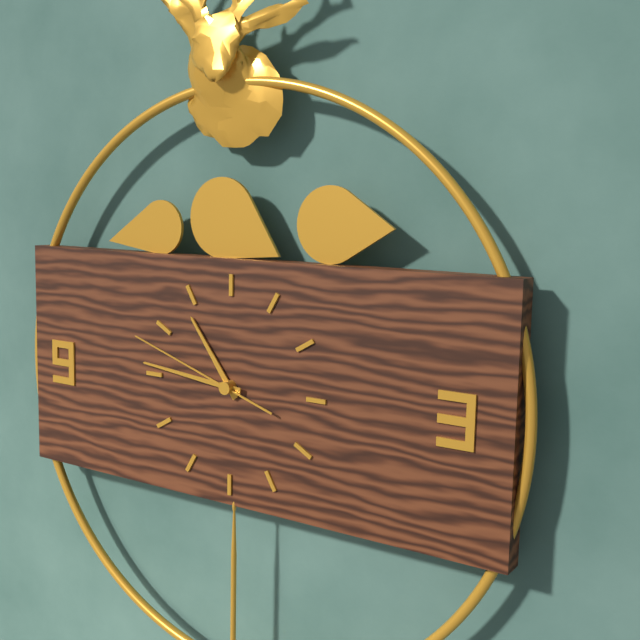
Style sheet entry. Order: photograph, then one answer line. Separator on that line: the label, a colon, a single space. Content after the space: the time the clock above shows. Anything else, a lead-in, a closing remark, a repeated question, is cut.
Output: 10:46:48
